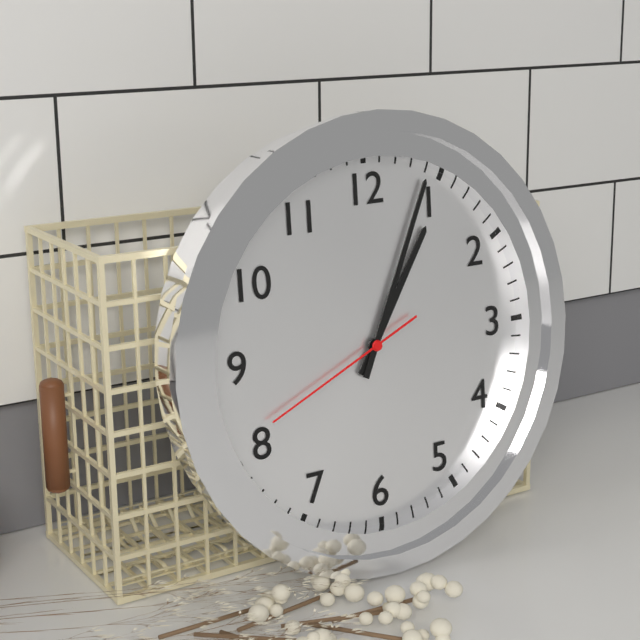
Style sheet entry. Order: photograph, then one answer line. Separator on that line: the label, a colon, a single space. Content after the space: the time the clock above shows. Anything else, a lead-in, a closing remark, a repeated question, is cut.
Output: 1:04:41
